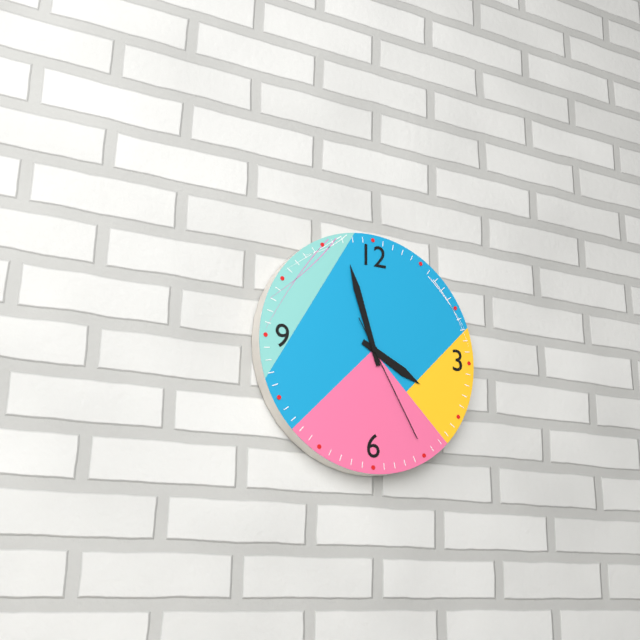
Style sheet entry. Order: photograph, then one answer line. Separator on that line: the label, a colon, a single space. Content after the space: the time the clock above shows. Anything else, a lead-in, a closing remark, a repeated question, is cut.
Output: 3:57:25
